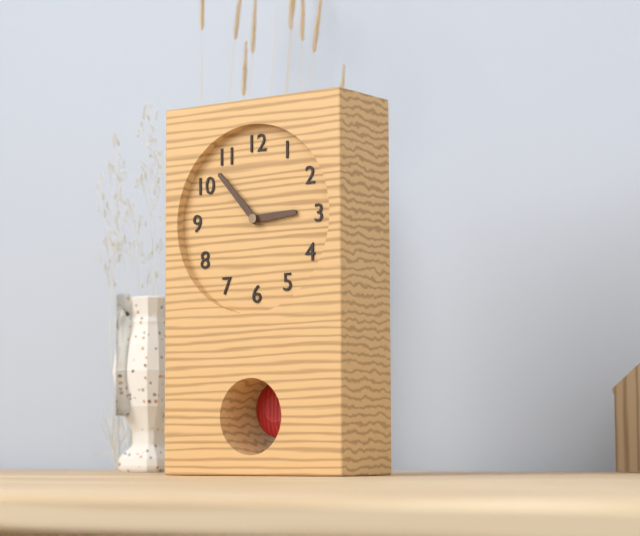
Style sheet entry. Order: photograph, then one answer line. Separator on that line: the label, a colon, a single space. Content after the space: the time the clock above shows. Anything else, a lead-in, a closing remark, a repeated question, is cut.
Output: 2:53
